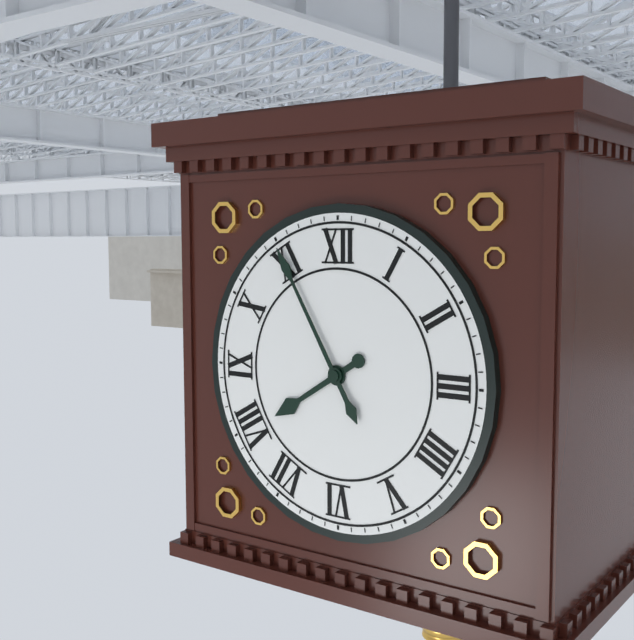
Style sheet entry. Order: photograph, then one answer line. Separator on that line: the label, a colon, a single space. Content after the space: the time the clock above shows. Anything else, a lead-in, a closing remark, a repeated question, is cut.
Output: 7:55
